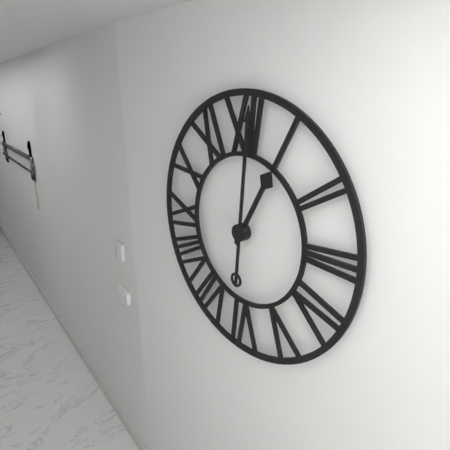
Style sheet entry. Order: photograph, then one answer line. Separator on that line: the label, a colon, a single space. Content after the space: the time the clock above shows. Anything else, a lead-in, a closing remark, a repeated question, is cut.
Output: 1:01
